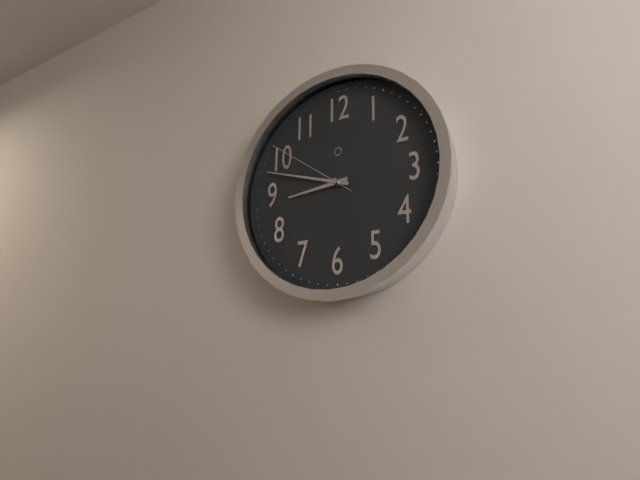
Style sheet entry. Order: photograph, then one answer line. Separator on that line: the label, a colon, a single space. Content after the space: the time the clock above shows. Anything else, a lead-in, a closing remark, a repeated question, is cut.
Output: 8:48:51
